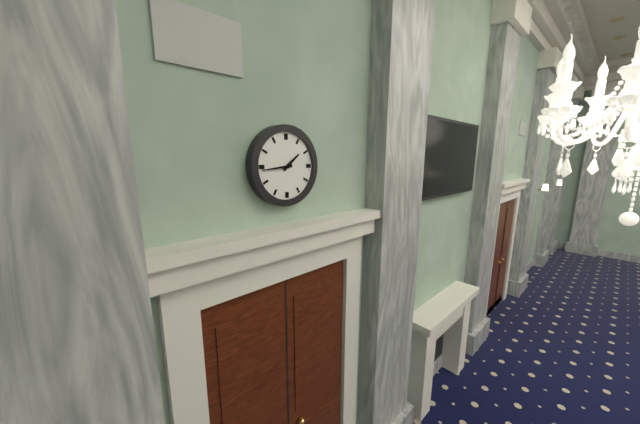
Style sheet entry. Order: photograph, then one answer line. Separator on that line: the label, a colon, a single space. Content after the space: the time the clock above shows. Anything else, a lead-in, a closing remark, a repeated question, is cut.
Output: 1:44
